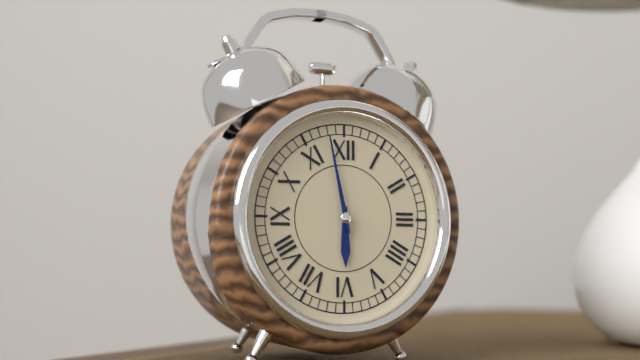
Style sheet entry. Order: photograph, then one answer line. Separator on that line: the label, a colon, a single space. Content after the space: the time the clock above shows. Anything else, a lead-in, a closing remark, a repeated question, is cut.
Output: 5:58
